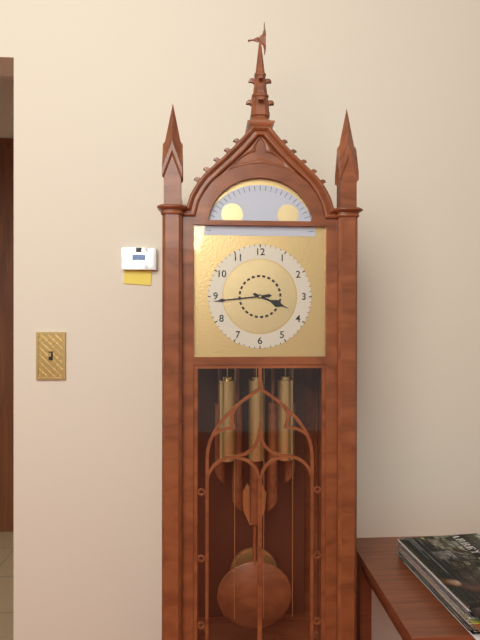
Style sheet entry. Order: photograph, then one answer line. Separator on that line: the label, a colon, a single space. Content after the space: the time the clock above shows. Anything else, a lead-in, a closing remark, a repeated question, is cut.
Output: 3:44
